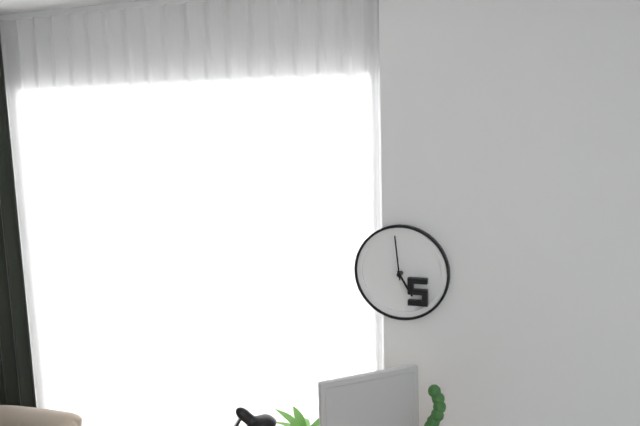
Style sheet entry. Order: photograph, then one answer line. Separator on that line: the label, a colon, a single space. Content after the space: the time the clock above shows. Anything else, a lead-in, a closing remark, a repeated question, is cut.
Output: 4:59
